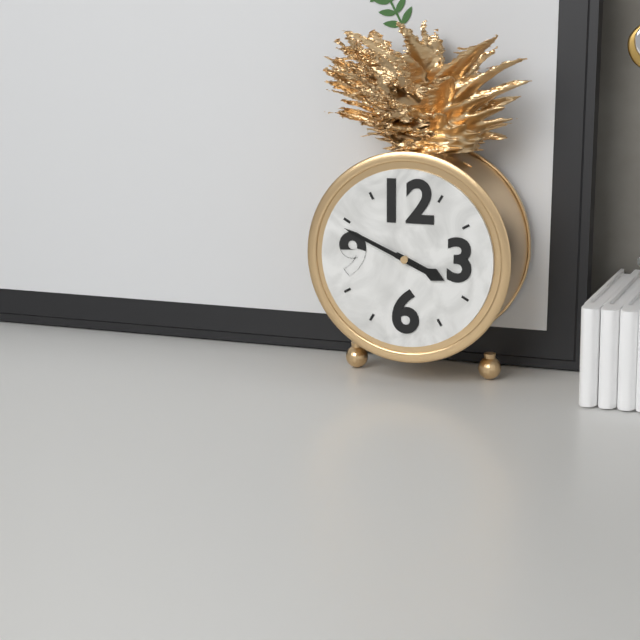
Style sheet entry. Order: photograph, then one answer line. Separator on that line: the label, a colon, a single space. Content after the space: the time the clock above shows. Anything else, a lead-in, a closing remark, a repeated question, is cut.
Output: 3:49
